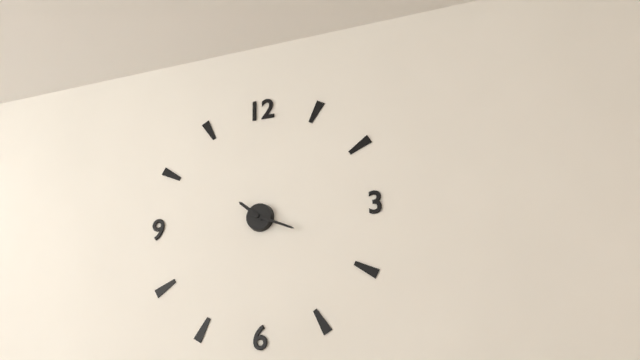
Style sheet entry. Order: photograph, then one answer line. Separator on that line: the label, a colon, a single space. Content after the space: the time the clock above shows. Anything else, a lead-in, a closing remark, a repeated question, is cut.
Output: 10:19
